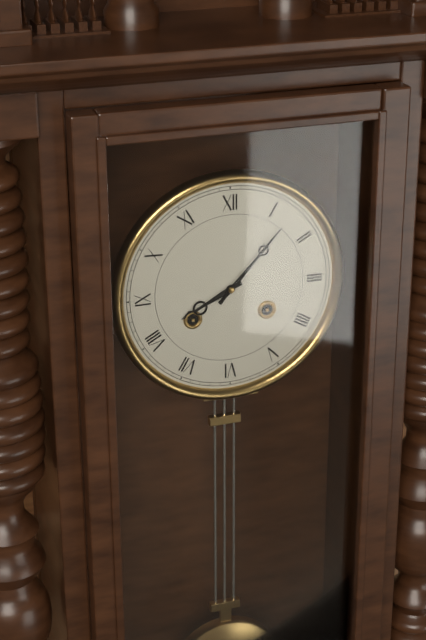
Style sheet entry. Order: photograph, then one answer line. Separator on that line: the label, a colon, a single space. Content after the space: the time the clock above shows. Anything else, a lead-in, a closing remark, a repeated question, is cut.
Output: 8:07
